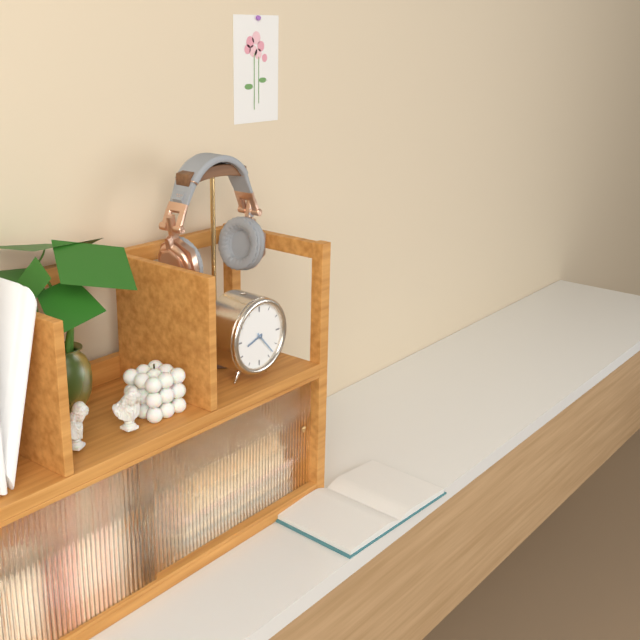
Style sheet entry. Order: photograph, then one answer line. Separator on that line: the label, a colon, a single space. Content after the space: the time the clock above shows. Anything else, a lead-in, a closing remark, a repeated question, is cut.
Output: 8:23
